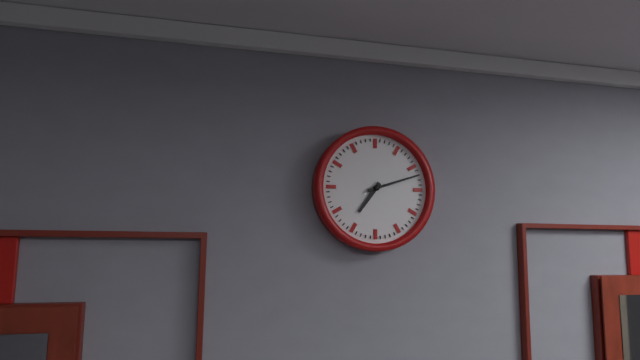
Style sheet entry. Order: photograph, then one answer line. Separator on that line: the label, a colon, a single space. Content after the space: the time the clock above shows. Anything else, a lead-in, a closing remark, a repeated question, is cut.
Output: 7:12
